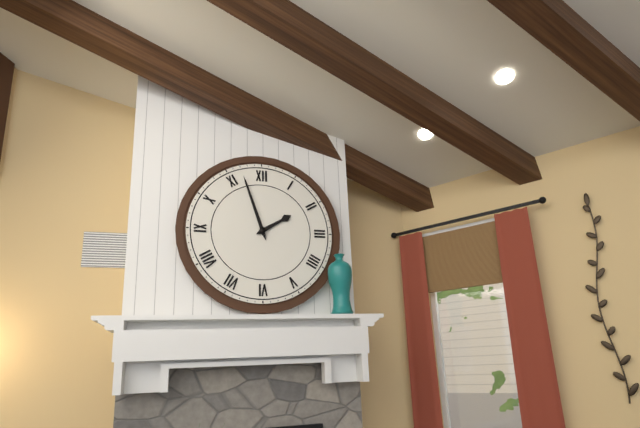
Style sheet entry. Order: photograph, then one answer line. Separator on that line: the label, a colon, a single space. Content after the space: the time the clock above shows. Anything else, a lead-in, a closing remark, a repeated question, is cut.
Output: 1:57
